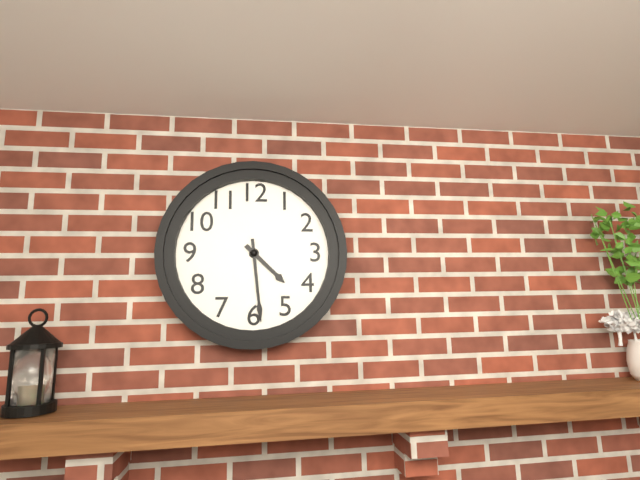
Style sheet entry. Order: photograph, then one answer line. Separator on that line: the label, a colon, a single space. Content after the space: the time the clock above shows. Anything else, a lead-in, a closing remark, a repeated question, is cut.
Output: 4:29
